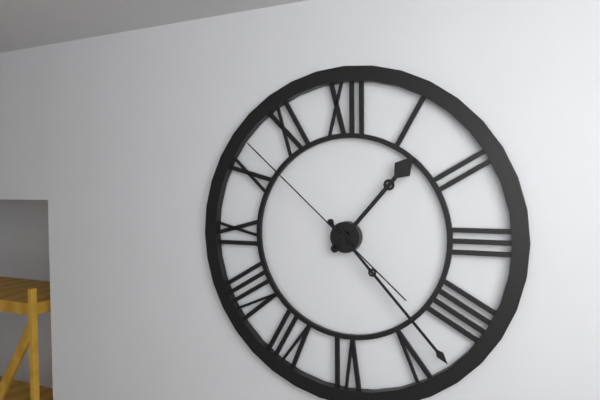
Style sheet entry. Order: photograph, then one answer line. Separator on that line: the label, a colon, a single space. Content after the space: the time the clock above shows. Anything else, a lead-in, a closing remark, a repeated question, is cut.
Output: 1:23:52
